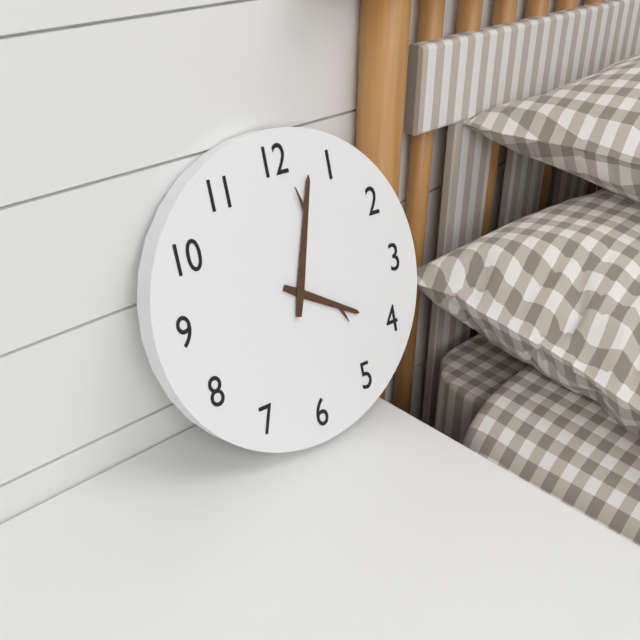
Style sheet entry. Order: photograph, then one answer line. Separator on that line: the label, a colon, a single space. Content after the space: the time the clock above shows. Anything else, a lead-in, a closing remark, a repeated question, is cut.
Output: 4:03
